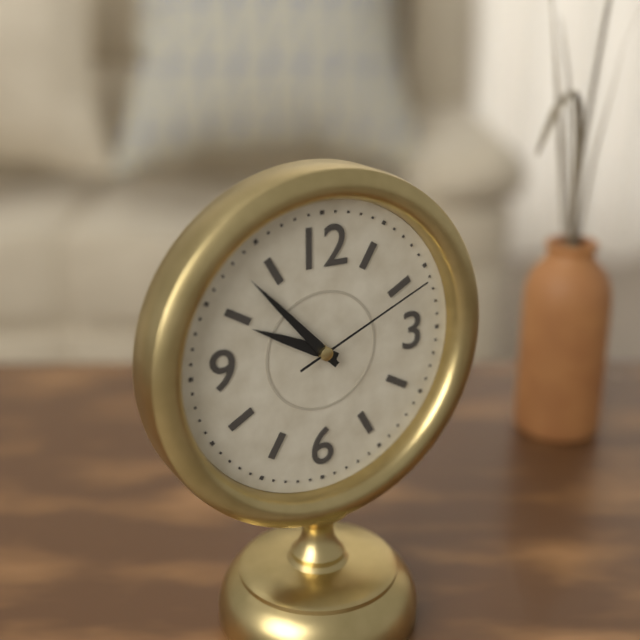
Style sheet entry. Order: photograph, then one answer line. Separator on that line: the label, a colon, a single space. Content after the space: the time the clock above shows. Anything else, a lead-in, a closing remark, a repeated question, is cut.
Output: 9:53:11
